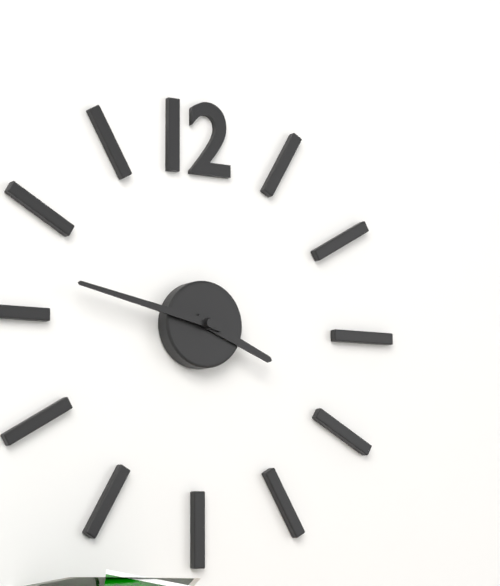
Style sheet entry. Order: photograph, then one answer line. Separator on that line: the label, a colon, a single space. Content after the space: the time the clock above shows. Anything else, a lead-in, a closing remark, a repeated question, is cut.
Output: 3:47
